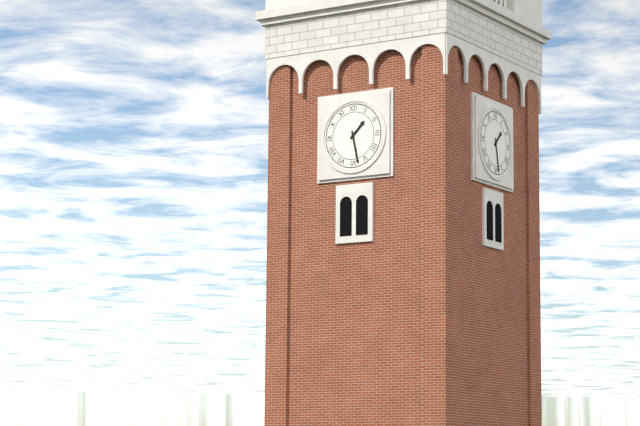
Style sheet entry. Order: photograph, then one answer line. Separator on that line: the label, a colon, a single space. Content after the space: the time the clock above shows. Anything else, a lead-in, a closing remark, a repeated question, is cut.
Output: 1:28
